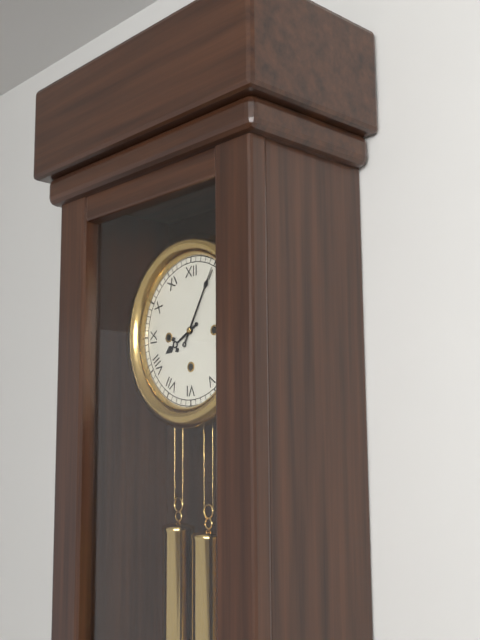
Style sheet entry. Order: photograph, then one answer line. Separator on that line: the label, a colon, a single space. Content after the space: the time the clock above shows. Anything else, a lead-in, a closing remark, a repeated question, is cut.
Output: 8:05
